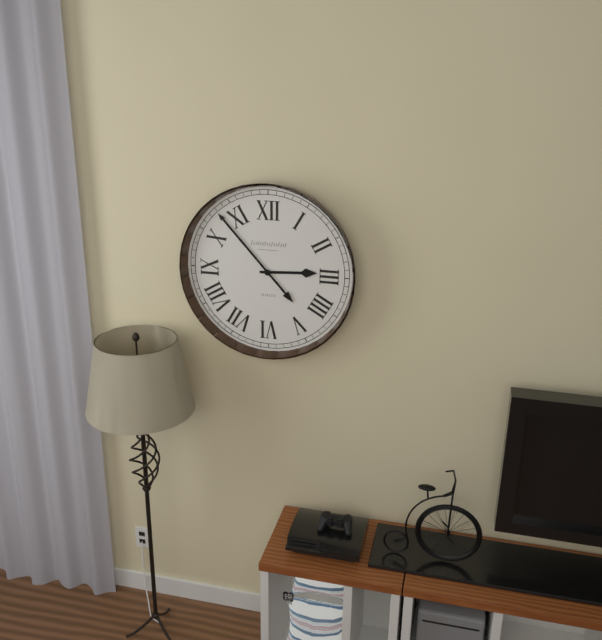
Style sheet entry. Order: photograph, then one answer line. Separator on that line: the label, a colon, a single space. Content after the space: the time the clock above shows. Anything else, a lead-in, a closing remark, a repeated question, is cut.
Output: 2:53
